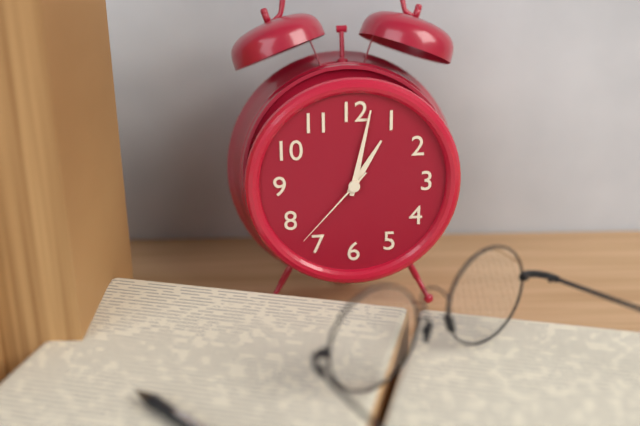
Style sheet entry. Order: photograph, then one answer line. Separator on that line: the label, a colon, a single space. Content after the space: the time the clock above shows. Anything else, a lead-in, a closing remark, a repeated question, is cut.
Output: 1:02:37
